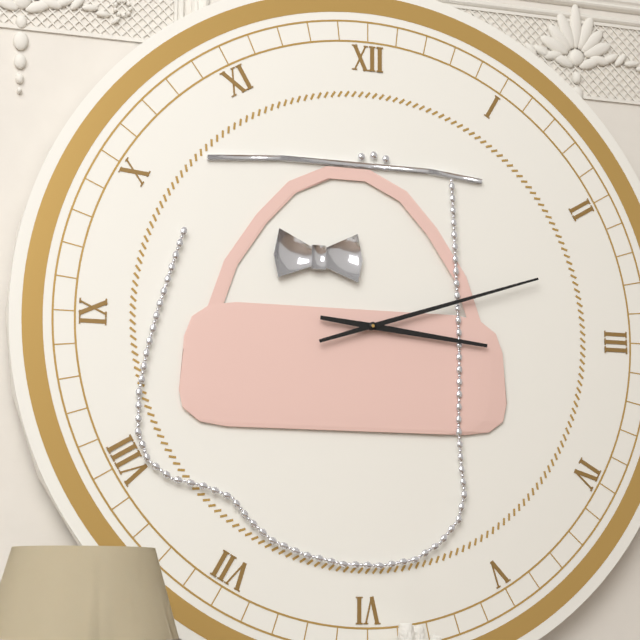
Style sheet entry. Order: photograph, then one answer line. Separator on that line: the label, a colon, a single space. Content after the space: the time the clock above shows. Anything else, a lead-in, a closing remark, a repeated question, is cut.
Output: 3:12
